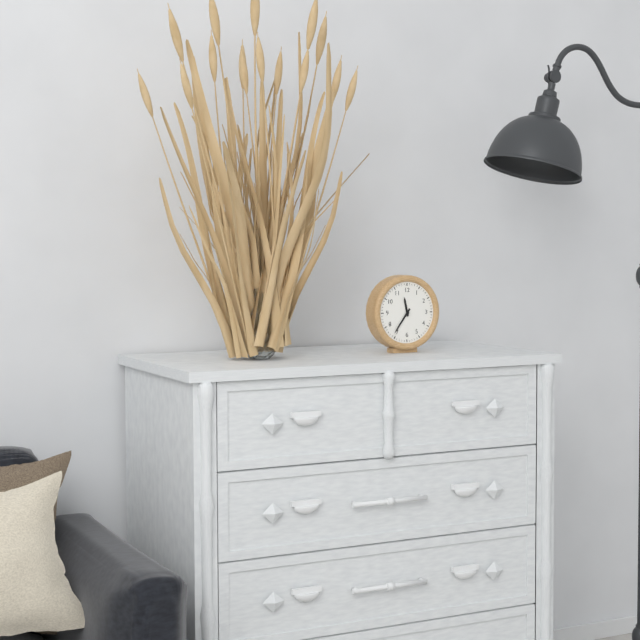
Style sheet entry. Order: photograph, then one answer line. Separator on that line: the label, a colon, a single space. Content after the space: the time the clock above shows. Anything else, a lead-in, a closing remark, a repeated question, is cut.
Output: 11:36
